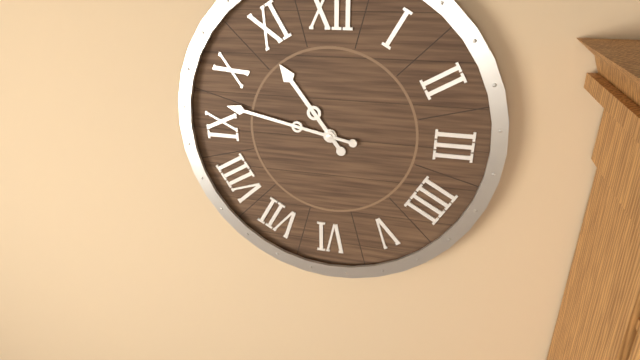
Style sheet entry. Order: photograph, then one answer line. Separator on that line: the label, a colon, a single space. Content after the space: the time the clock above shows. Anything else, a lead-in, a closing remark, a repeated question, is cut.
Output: 10:47
